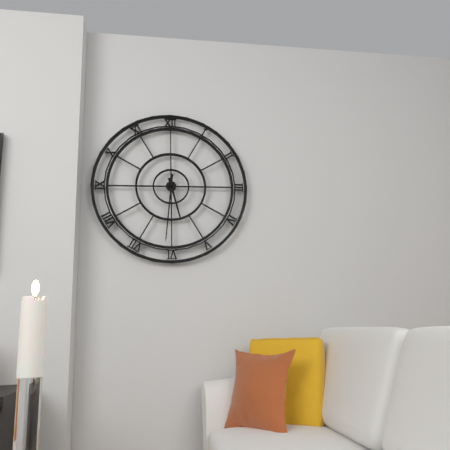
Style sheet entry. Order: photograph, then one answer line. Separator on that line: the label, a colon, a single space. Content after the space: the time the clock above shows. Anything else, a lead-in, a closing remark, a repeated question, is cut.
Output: 5:31
